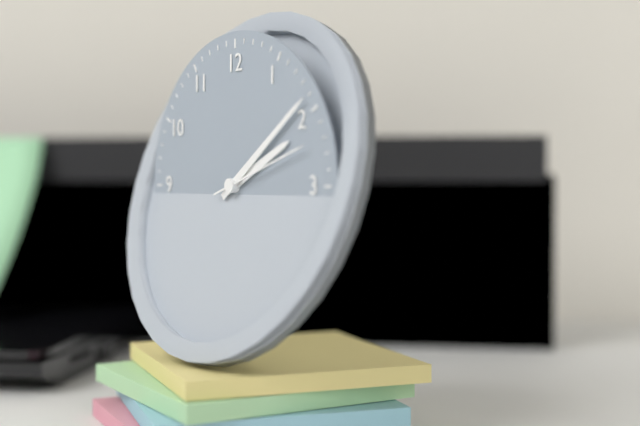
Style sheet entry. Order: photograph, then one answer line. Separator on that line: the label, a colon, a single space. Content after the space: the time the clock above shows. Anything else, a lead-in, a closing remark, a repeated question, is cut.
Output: 2:09:12
